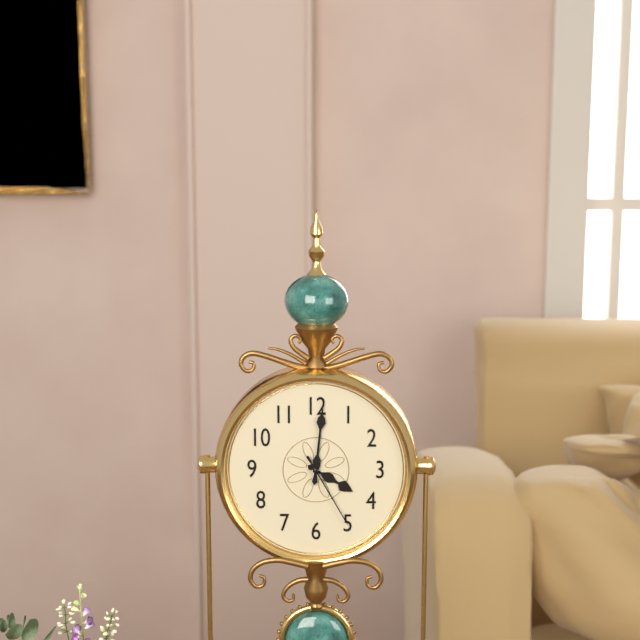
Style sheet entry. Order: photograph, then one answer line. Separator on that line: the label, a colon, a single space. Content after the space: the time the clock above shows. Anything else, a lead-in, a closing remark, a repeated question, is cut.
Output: 4:01:25
